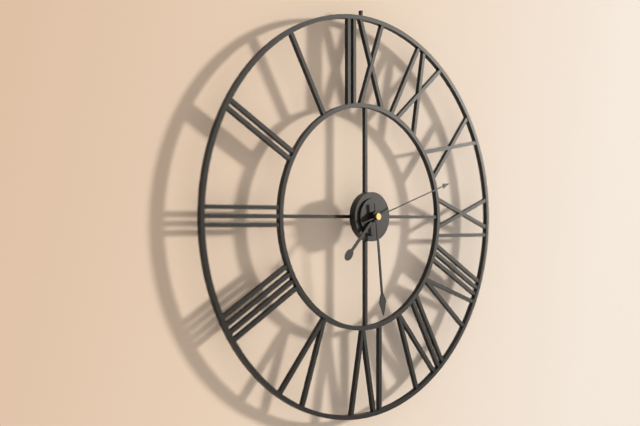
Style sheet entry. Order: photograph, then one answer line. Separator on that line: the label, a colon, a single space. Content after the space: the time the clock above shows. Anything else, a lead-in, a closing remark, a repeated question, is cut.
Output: 7:29:12
